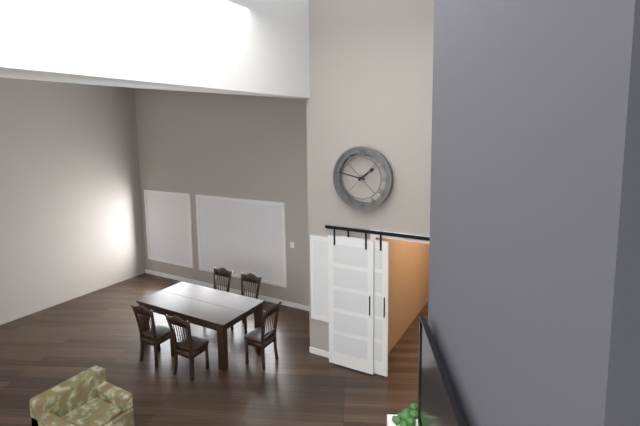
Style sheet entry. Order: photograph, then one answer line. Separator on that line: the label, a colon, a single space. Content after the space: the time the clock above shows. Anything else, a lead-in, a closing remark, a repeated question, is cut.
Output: 1:47
